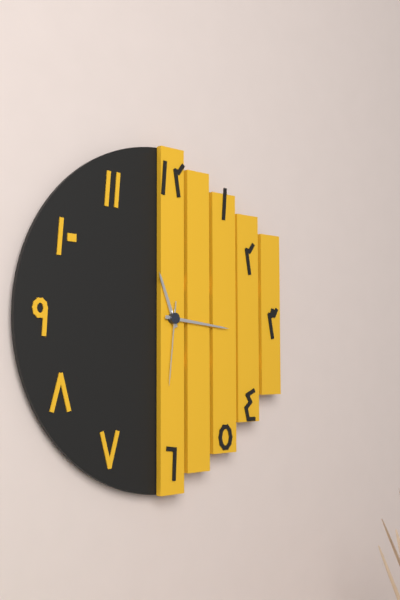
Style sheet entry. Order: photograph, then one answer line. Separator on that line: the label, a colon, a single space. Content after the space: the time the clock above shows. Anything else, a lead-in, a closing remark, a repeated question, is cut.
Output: 11:16:31
